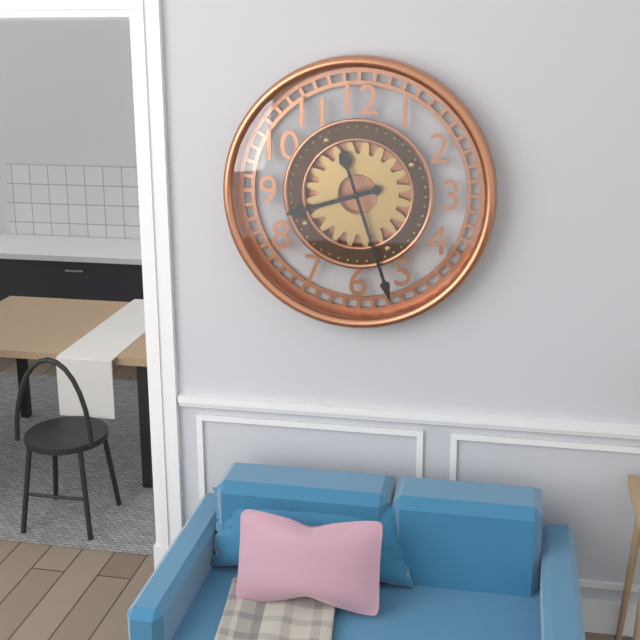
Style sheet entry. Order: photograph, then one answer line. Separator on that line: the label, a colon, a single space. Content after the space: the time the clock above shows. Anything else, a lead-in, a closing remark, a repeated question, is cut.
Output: 8:27
